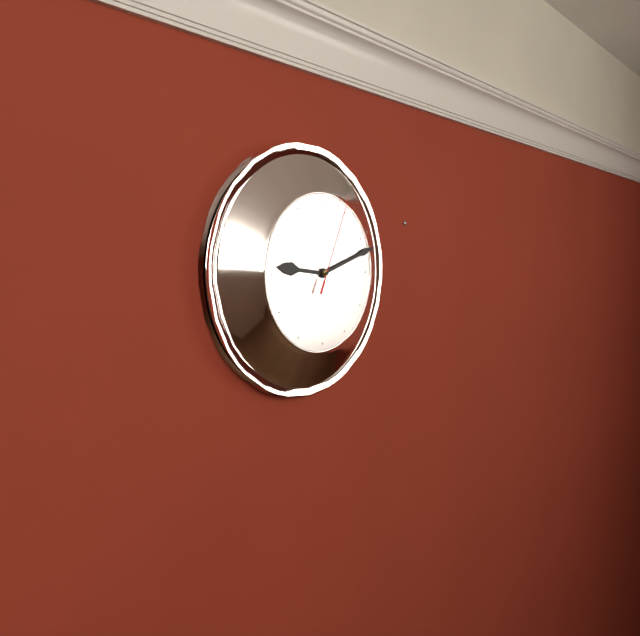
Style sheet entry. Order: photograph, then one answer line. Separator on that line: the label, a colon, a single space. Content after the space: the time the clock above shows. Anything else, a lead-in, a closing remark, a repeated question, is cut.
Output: 9:12:04
